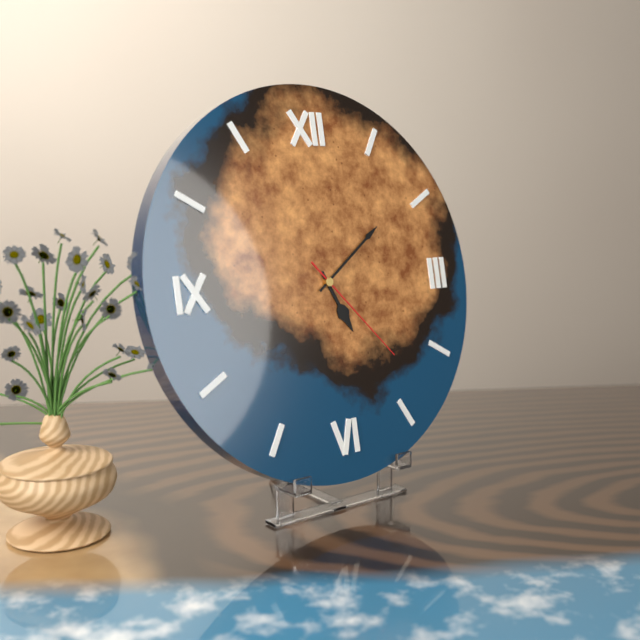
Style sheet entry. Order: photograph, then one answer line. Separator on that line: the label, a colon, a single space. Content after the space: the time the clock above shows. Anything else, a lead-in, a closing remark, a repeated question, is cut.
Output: 5:09:23
